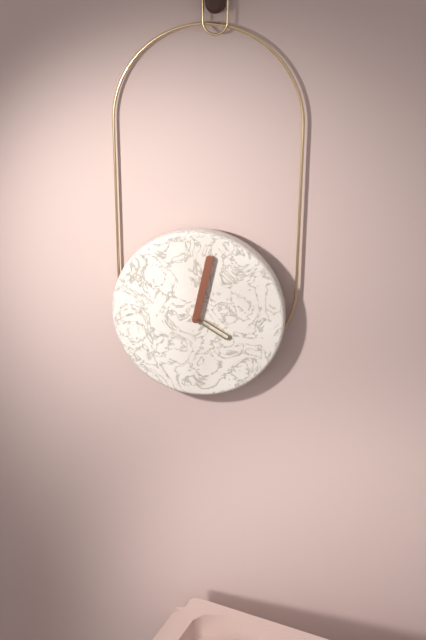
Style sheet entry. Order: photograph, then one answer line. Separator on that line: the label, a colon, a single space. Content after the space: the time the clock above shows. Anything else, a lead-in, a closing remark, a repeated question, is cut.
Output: 4:02
